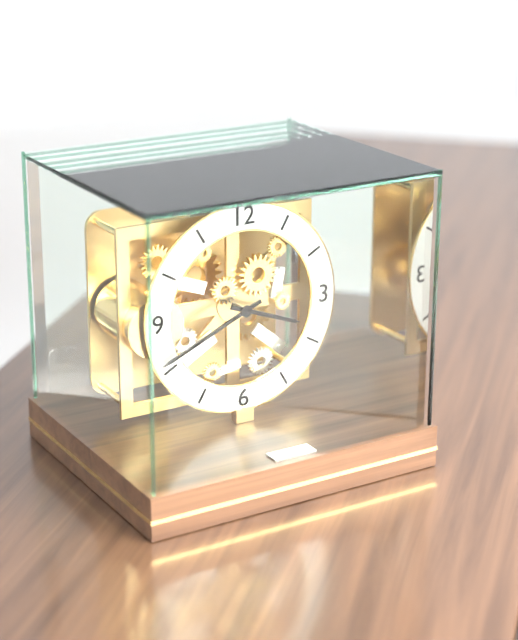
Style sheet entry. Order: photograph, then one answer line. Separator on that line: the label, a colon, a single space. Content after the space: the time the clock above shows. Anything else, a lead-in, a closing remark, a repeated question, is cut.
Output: 3:41
